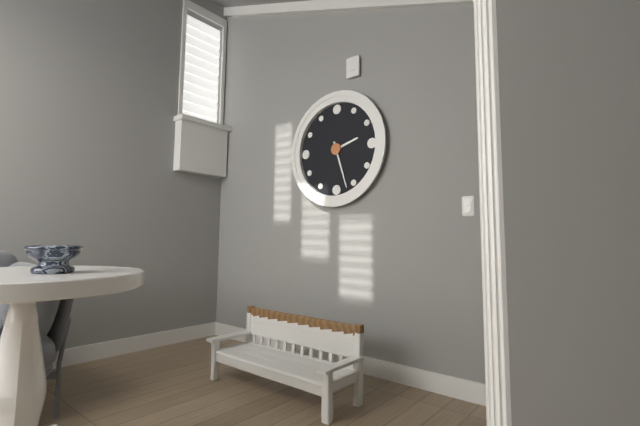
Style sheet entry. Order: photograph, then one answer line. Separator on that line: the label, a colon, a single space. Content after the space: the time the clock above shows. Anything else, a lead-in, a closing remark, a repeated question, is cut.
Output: 2:27
